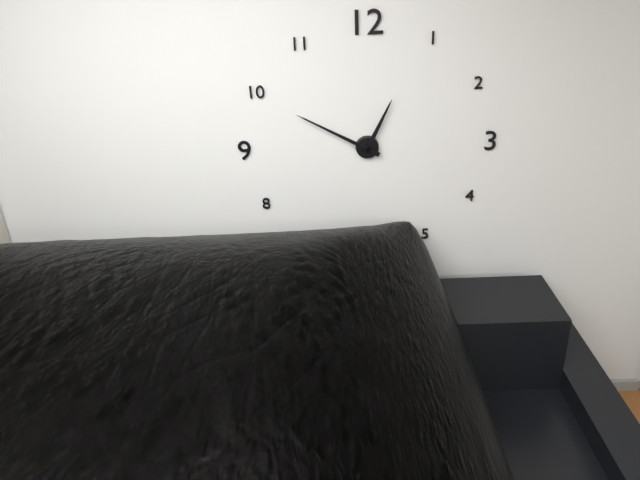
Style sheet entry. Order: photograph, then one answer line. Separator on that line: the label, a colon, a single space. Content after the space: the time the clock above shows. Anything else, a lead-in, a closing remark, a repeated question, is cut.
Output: 12:50
